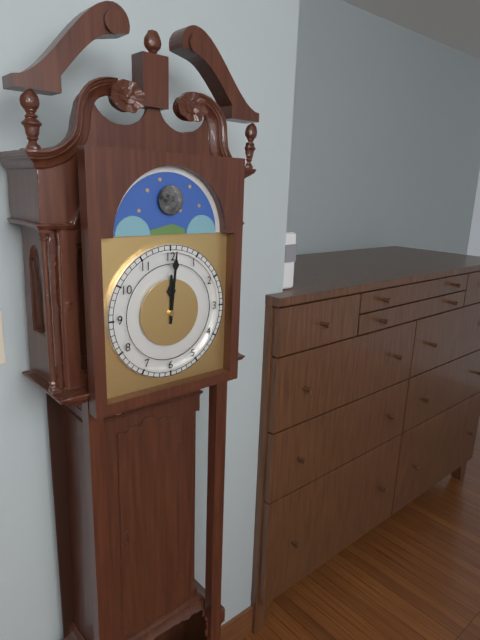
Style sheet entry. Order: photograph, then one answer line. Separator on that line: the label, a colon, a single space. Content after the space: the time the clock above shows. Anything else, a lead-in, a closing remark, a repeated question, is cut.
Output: 12:01
